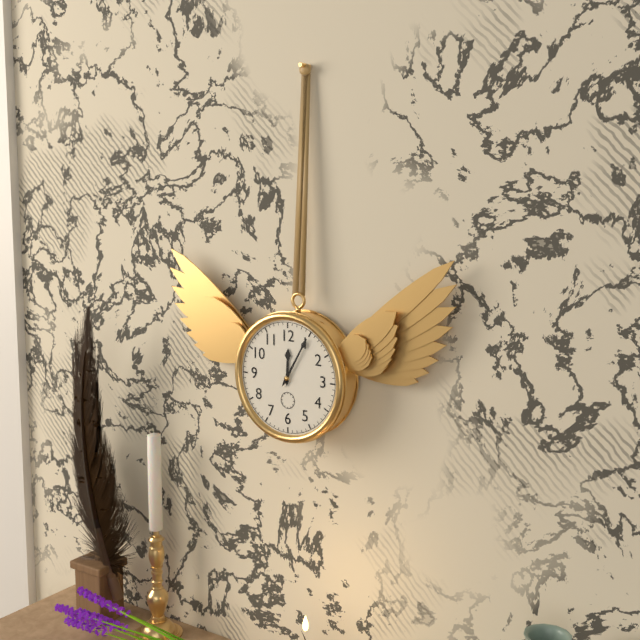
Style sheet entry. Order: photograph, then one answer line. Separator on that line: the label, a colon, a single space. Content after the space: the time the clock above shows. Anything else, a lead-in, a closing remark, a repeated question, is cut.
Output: 12:05
